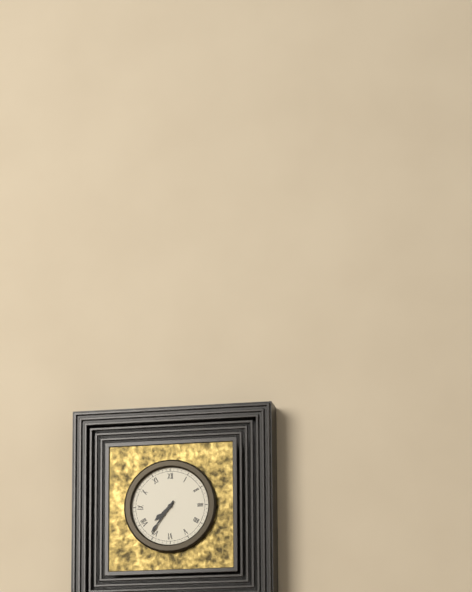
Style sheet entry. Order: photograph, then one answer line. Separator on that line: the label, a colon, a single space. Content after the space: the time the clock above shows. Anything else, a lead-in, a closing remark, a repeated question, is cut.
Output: 7:36
